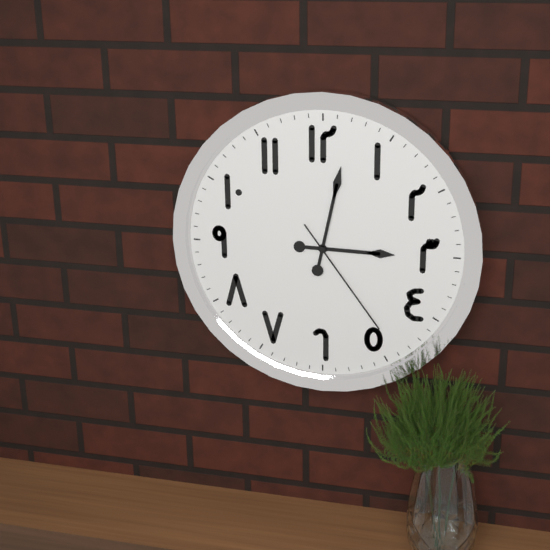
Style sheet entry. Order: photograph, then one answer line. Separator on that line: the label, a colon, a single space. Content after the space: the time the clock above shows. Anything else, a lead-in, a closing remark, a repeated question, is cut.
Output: 3:02:24
